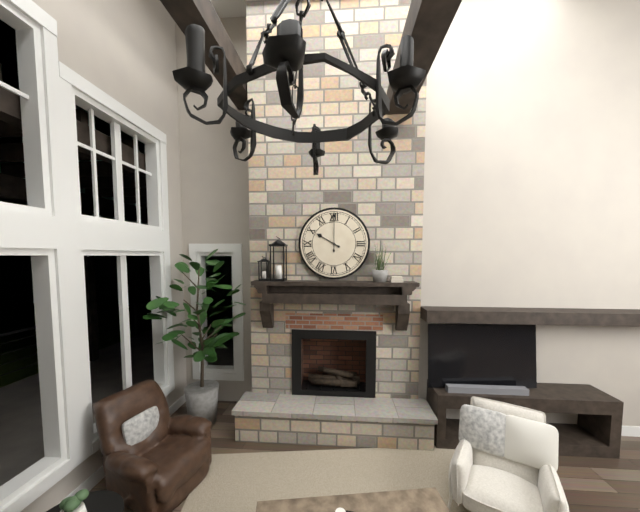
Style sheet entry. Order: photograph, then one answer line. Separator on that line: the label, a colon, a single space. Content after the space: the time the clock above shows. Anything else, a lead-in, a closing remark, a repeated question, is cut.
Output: 10:00
